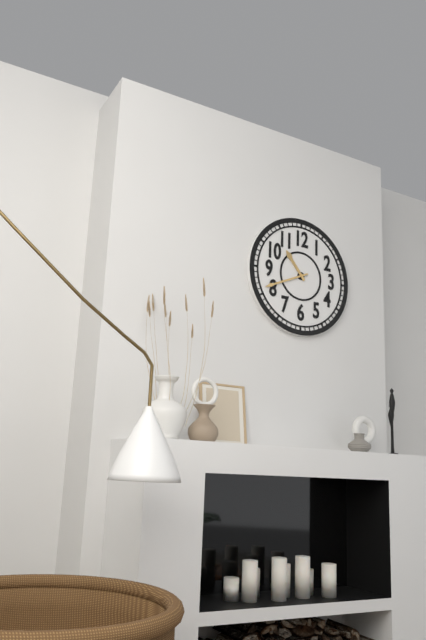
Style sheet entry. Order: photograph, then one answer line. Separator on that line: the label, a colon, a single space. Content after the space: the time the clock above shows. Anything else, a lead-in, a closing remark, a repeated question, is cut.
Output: 10:41
